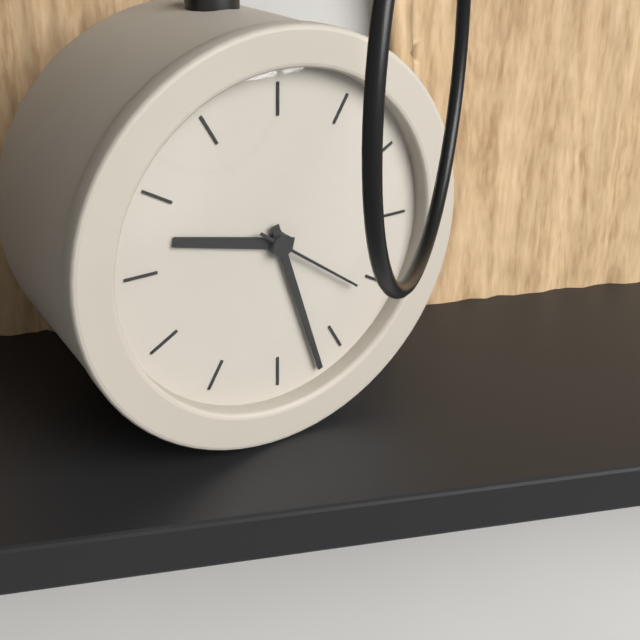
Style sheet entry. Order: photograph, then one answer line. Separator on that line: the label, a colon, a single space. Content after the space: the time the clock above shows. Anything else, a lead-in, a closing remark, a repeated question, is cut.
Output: 9:27:21
